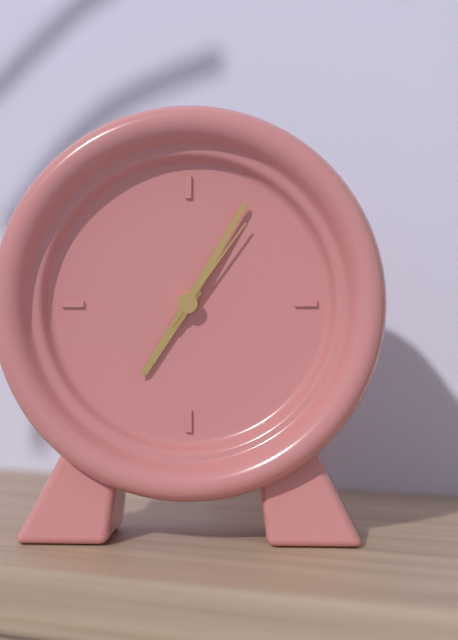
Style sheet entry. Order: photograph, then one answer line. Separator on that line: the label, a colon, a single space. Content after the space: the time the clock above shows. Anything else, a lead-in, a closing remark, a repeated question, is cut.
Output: 7:05:06
